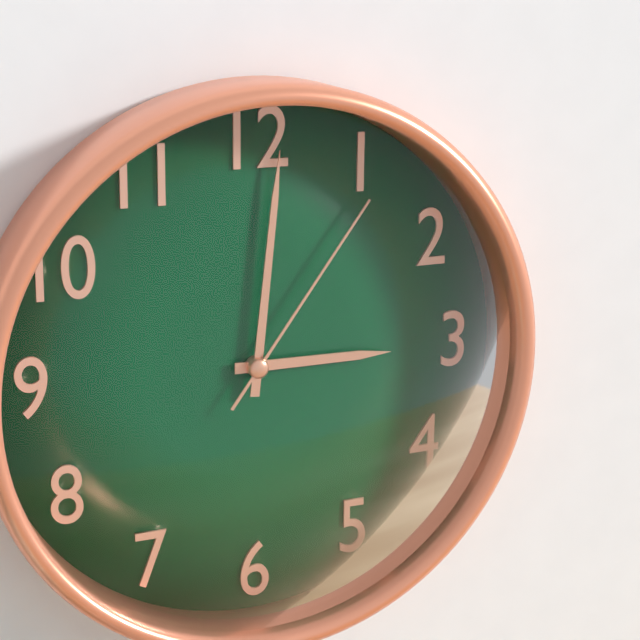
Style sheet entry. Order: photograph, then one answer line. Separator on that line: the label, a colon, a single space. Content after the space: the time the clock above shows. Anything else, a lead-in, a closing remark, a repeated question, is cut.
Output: 3:01:06
